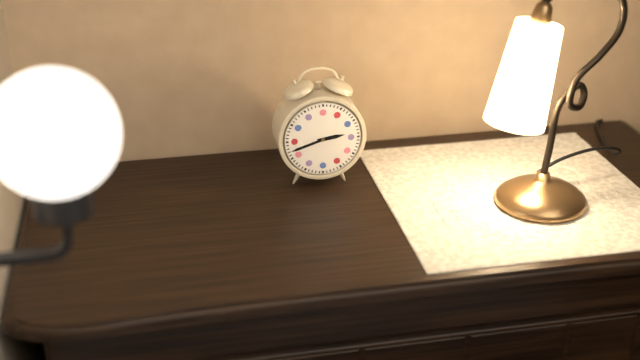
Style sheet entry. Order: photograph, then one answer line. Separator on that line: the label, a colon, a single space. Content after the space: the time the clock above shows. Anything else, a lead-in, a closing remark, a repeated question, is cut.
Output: 2:42
